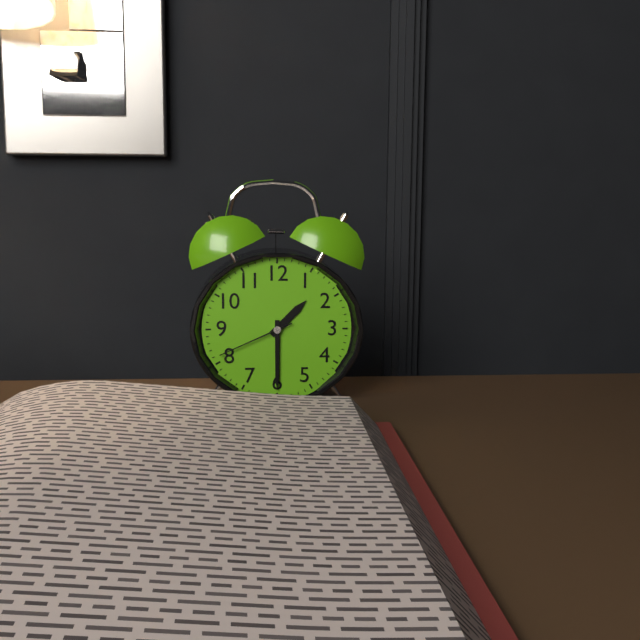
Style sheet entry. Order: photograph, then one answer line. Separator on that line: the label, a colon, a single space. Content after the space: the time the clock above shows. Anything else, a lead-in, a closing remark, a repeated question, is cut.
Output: 1:30:41
